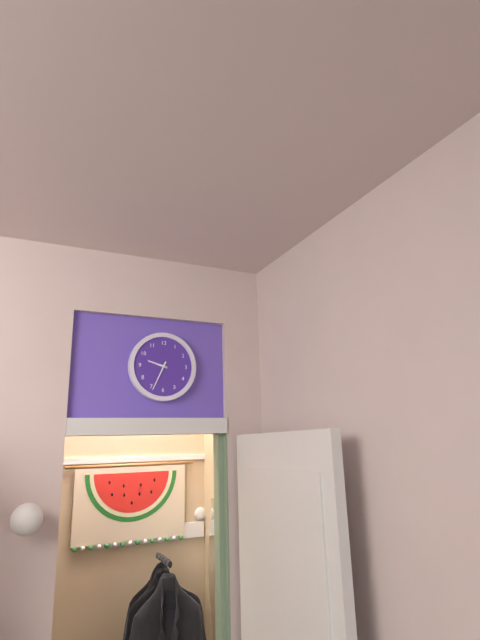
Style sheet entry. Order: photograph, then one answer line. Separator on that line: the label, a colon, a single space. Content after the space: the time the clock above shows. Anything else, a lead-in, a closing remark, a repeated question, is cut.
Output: 9:34
